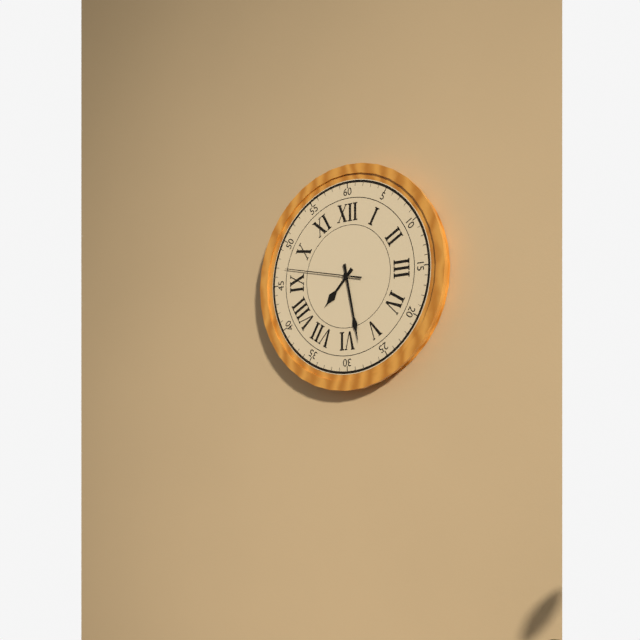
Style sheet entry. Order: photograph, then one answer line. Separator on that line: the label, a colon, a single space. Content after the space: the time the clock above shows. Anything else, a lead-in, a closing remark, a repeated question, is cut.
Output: 7:28:47
